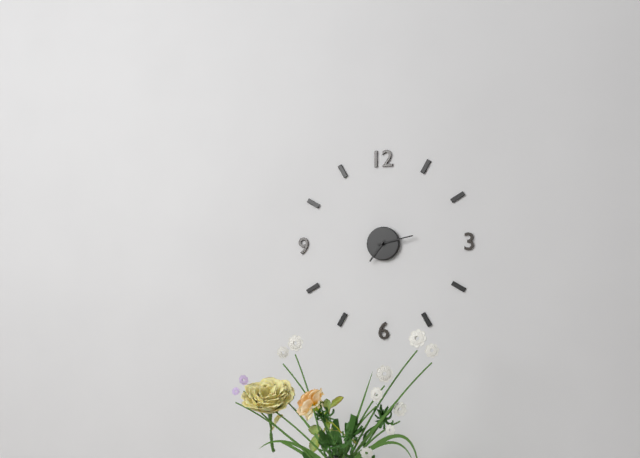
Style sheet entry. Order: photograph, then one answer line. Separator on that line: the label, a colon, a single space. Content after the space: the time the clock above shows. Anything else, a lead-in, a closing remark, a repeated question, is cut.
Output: 7:13
